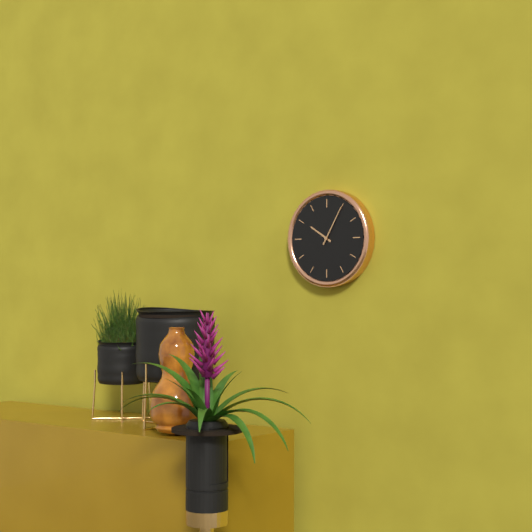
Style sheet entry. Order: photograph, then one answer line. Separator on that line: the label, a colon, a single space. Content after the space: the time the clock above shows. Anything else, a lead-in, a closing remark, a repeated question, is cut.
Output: 10:05
